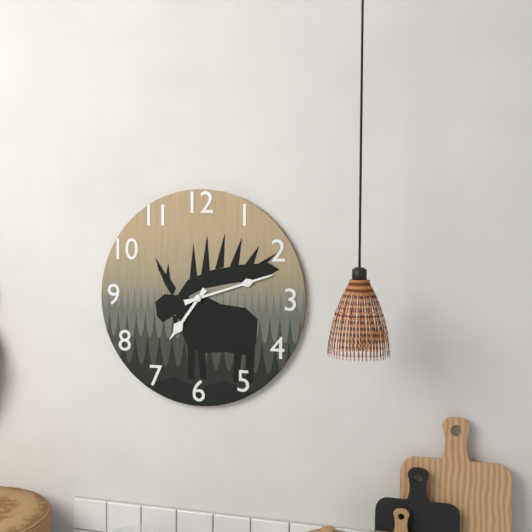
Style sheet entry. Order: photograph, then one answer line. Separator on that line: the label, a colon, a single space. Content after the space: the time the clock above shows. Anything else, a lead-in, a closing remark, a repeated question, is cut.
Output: 7:12
